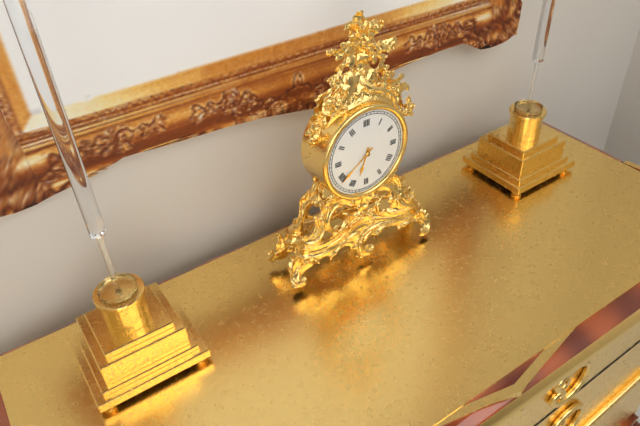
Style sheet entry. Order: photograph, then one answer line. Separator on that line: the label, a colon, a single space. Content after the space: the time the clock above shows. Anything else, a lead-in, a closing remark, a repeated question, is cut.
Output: 6:39
